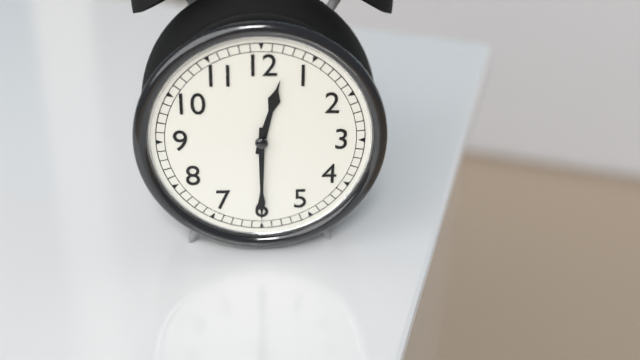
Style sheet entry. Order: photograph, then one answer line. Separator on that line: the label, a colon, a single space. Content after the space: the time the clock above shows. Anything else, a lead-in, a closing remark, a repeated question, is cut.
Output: 12:30
